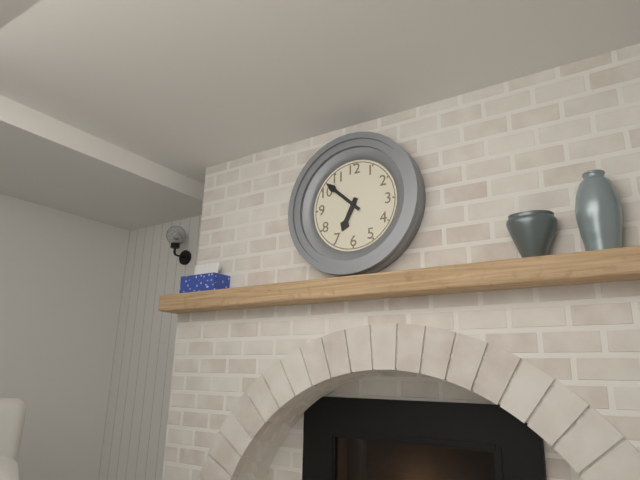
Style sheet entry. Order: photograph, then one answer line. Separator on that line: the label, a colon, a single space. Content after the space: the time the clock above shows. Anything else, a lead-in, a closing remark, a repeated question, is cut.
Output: 6:52
